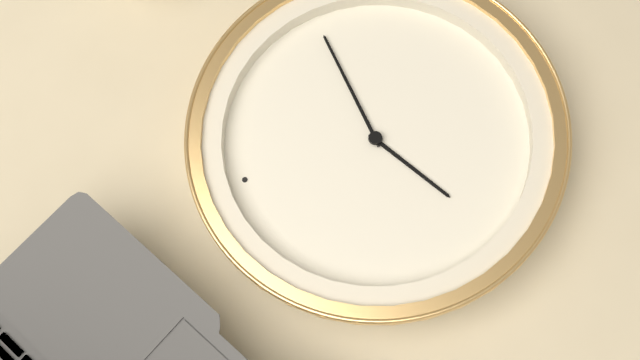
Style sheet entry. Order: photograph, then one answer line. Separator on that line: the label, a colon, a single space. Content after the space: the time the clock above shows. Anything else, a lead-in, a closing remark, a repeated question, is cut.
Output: 7:10
